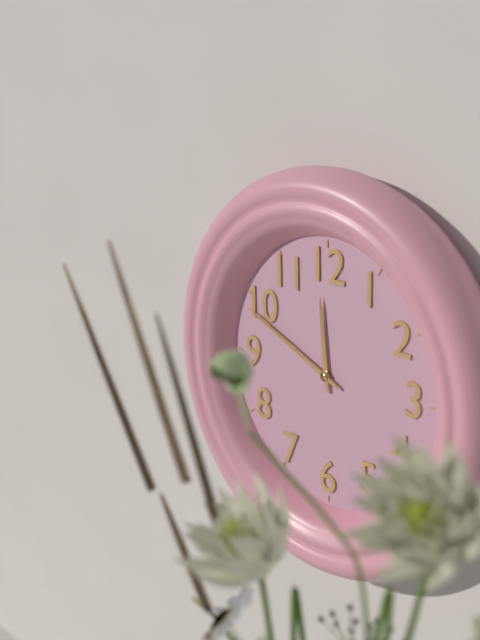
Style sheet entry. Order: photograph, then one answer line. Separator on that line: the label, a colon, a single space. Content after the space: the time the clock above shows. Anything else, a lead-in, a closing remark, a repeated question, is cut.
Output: 11:49
